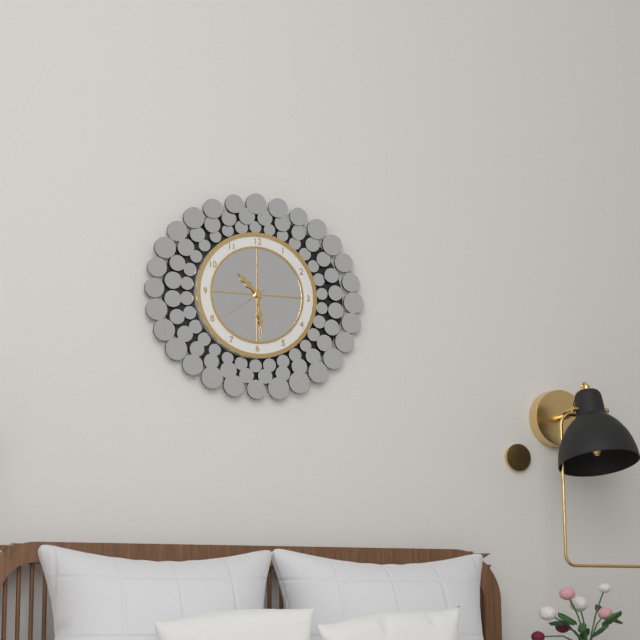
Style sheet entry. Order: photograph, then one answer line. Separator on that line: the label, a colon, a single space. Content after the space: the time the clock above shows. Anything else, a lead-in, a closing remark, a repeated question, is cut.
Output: 10:29
